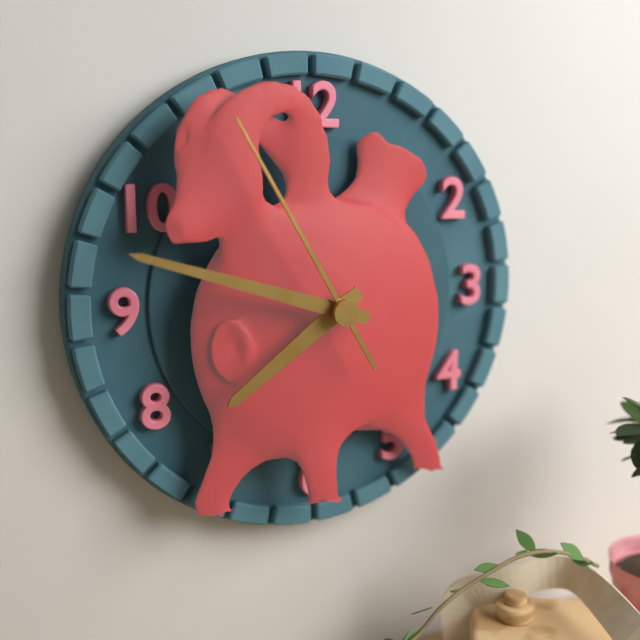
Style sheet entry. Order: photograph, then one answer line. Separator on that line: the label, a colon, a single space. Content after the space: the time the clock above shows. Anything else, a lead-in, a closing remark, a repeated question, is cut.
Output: 7:48:55
